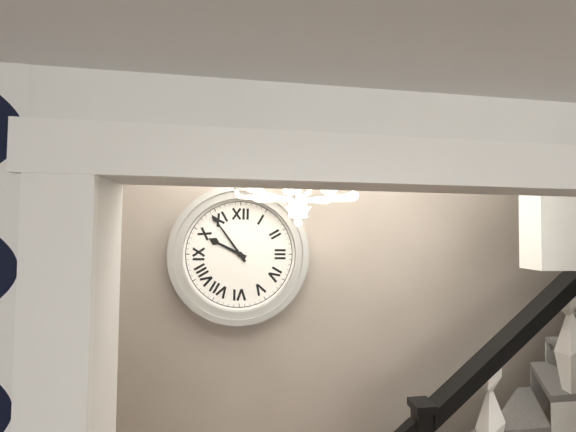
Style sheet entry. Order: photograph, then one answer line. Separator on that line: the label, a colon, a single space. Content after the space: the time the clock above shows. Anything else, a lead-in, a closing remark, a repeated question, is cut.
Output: 9:54
